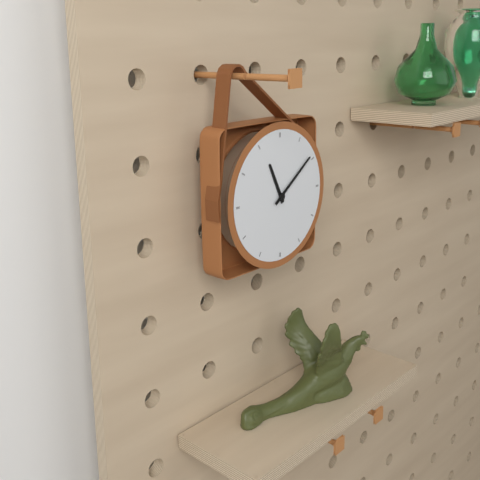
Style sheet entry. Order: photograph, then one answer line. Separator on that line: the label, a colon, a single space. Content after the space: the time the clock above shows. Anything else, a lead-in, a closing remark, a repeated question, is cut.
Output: 11:09
